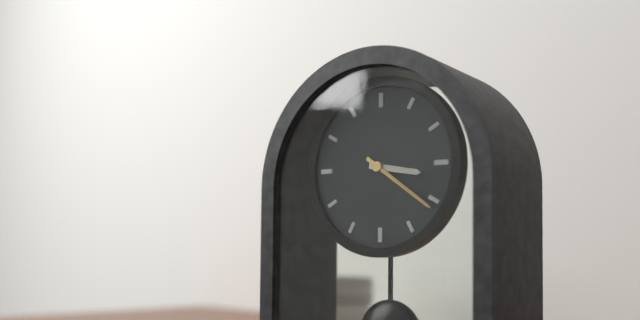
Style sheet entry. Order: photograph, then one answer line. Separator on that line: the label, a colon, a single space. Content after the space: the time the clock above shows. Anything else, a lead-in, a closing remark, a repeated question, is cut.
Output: 3:21
